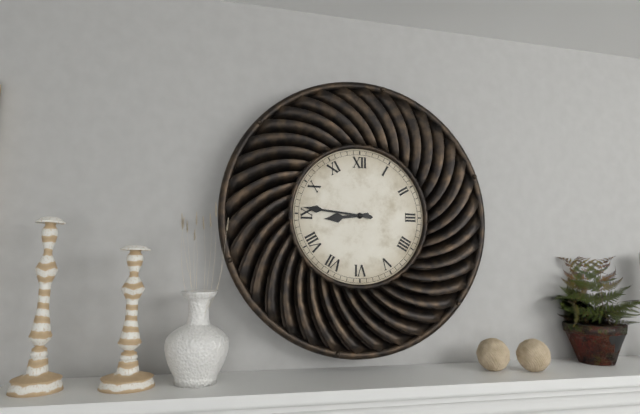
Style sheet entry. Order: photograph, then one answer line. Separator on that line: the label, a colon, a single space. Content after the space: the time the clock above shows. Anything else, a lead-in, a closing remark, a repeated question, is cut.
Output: 8:46
